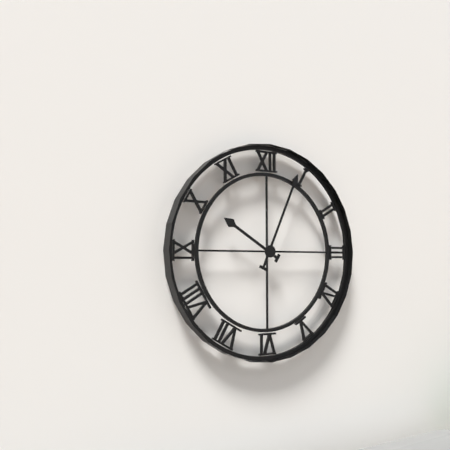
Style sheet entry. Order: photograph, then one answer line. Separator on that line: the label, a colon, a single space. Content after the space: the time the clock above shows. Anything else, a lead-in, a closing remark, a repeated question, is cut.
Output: 10:04
